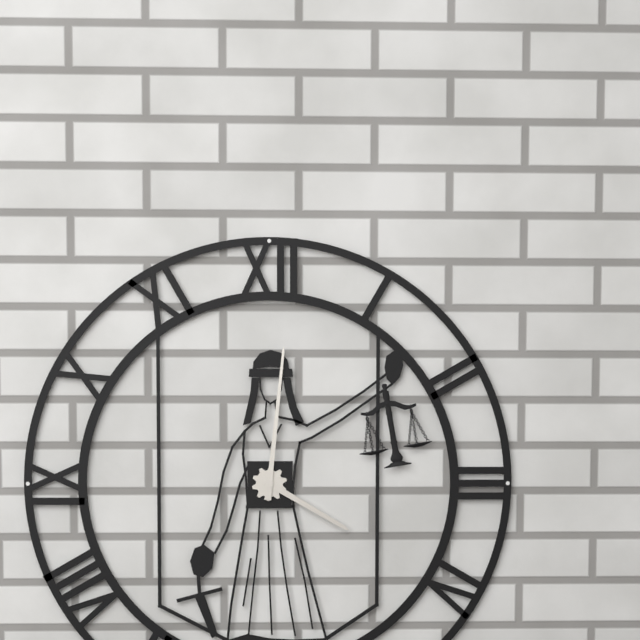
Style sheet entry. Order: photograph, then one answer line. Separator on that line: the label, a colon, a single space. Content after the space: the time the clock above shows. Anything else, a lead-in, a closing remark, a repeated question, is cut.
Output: 4:01
